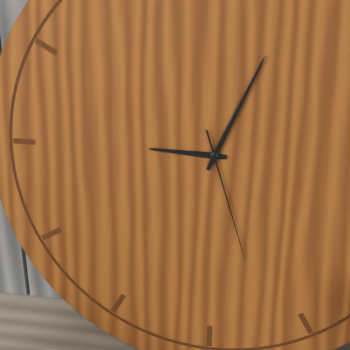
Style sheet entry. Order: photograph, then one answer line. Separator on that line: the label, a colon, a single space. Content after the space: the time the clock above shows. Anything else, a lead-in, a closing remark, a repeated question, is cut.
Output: 9:04:27
